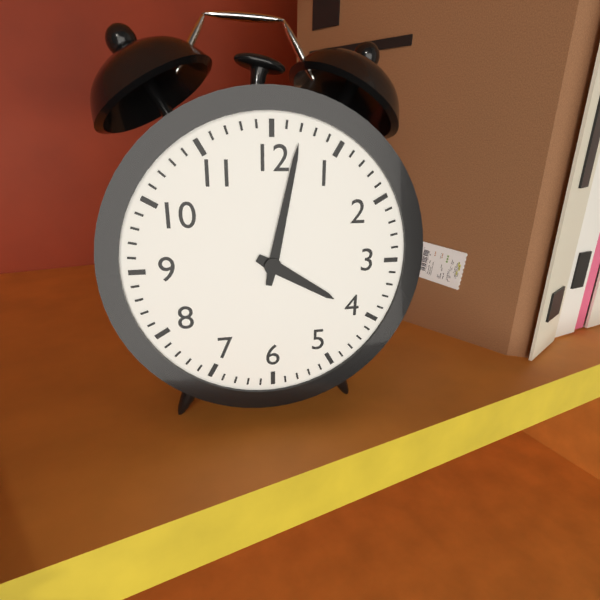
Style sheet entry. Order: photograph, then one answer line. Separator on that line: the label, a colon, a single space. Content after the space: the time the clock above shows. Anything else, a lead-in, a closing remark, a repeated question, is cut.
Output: 4:02
